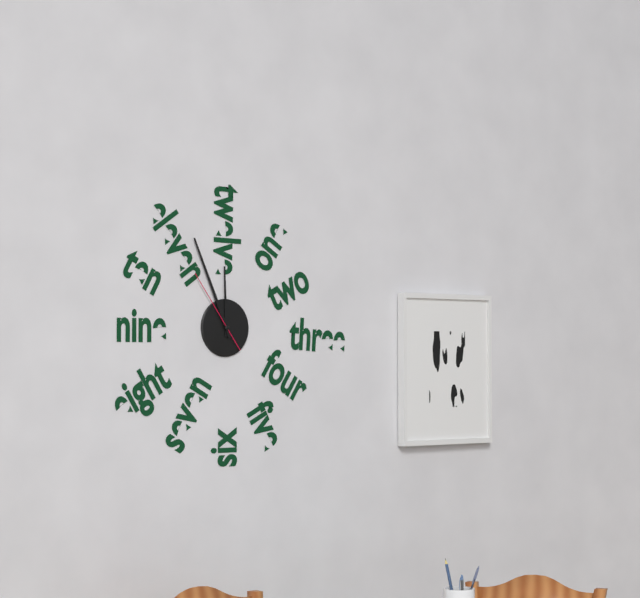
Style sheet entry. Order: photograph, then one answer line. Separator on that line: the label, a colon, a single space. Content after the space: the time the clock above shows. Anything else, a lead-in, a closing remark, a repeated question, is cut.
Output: 11:56:54
